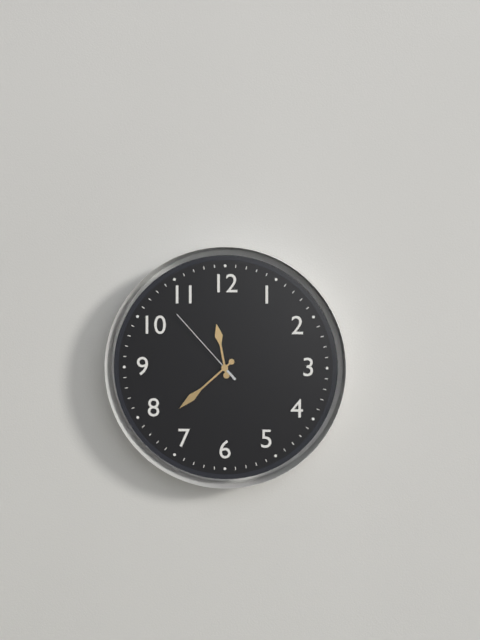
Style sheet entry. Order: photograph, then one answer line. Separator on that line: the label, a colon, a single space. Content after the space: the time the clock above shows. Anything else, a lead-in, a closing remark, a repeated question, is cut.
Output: 11:38:53
